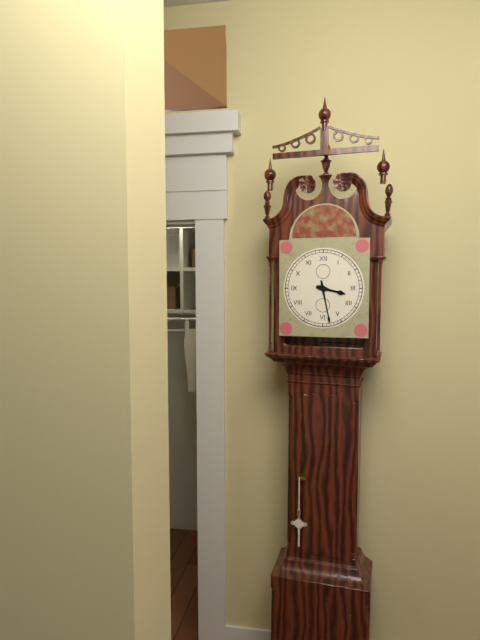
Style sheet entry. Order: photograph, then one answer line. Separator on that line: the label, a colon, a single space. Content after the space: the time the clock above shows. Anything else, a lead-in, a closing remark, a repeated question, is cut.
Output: 3:28
